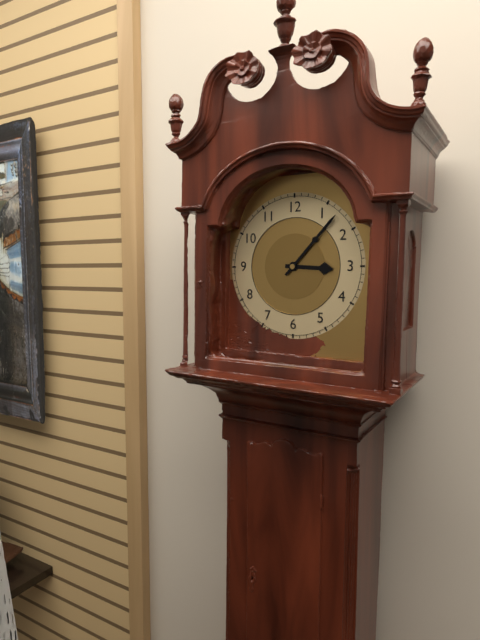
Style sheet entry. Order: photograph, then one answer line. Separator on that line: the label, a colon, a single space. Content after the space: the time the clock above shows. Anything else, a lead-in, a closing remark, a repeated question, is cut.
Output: 3:07
